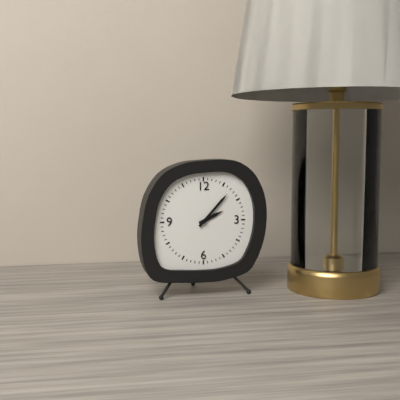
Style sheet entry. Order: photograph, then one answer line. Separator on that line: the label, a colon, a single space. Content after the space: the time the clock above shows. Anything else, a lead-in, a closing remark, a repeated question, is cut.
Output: 2:07
